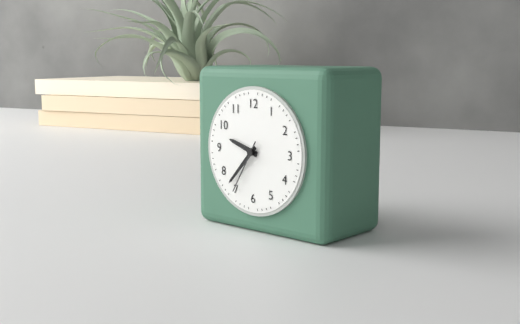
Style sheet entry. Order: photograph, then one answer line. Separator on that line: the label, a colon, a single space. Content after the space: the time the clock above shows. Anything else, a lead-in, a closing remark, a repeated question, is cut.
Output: 9:37:35
